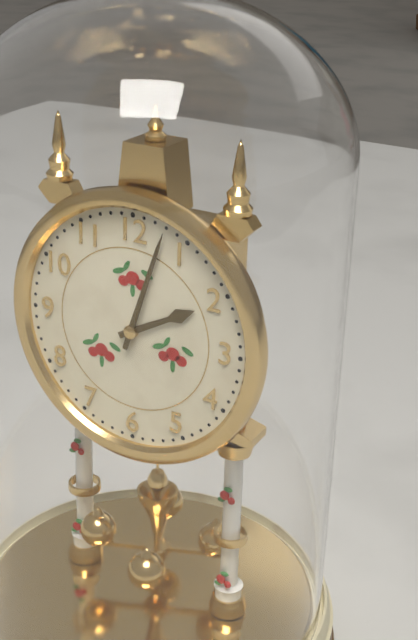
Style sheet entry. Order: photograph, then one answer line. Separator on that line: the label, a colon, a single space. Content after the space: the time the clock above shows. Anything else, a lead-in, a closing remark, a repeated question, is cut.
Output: 2:03
